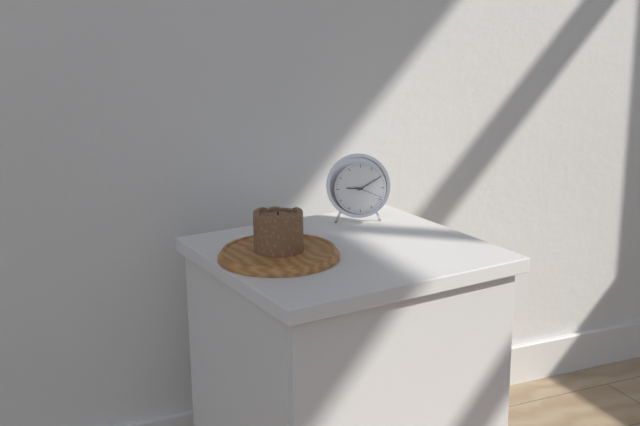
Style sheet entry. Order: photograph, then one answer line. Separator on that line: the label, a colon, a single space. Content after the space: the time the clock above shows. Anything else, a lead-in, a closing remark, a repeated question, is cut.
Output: 9:10
